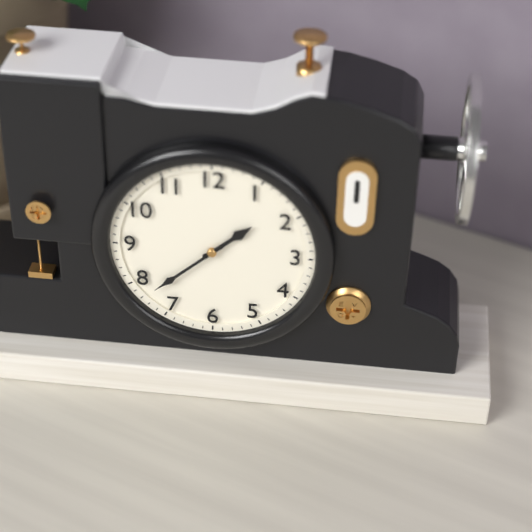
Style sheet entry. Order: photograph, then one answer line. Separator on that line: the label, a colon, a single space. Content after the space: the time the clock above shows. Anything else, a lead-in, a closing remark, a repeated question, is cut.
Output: 1:38
